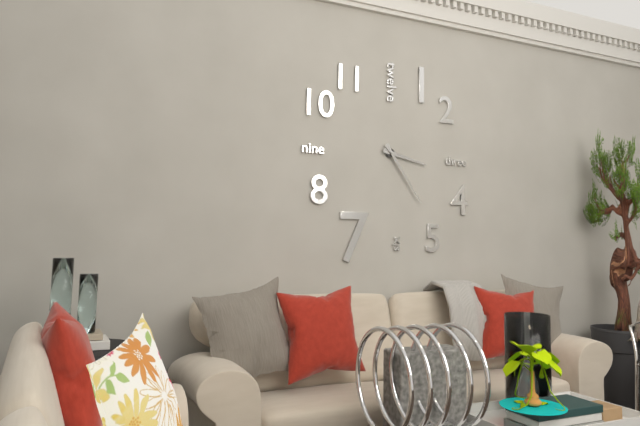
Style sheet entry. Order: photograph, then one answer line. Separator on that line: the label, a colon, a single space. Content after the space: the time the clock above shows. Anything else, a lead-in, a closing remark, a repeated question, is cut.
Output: 3:24
